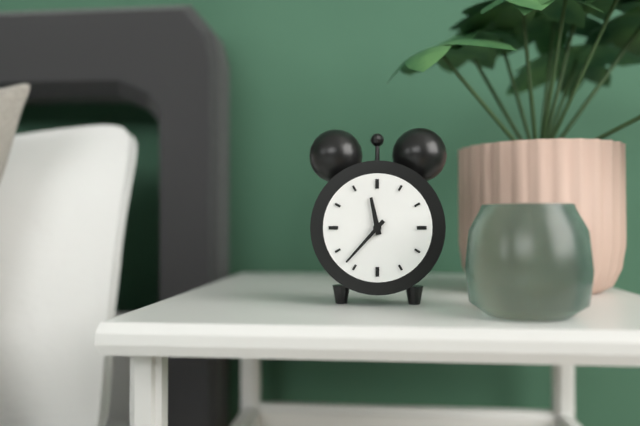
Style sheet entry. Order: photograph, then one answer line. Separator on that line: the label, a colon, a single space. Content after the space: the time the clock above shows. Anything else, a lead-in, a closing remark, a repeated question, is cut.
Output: 11:37
